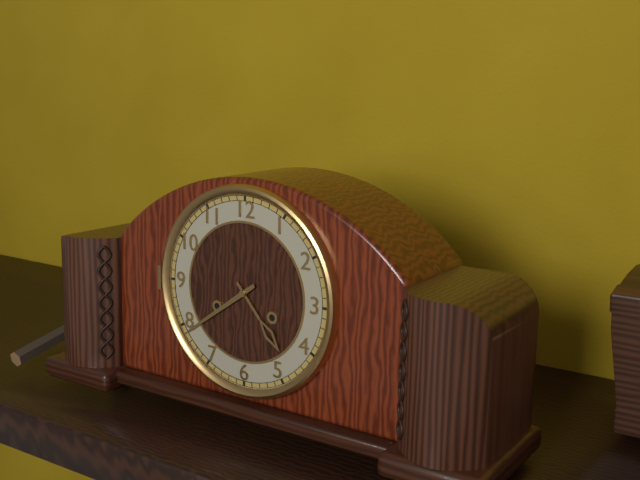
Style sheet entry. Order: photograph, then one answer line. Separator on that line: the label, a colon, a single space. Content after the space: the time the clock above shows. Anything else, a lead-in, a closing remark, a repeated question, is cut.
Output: 4:39
